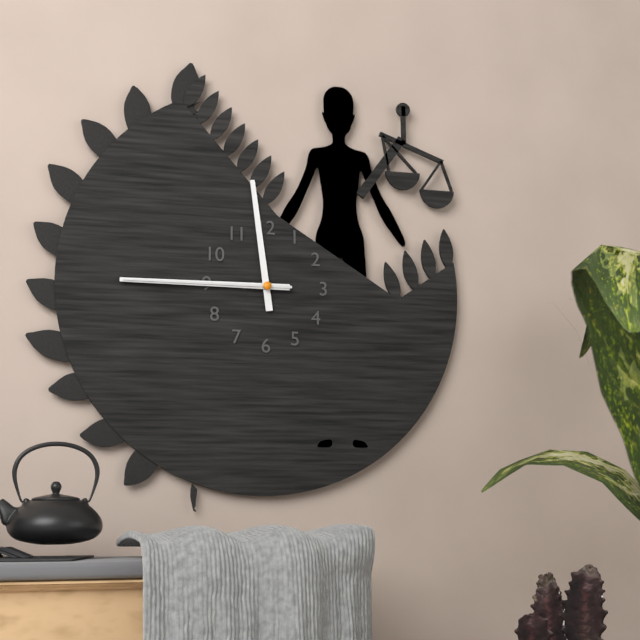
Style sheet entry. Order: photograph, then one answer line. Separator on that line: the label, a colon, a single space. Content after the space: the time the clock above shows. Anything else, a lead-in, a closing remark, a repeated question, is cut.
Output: 11:45:45
